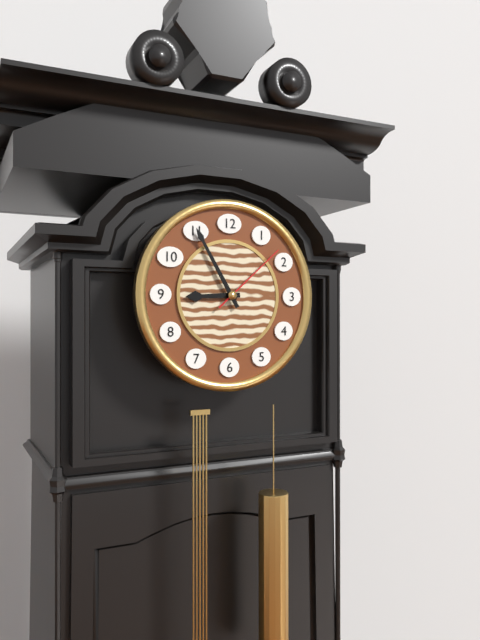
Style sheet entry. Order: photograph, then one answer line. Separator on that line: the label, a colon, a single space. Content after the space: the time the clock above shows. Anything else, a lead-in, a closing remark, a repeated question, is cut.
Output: 8:55:08
